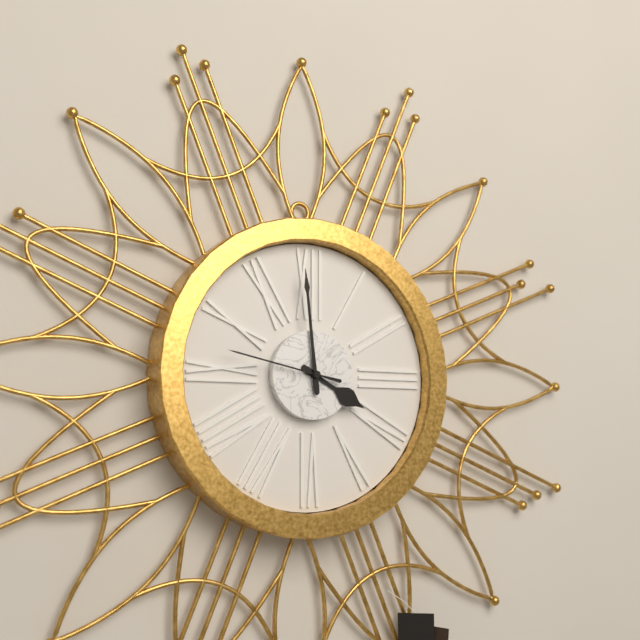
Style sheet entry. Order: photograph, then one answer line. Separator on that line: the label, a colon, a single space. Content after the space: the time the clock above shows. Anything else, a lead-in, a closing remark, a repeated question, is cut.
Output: 3:59:47
